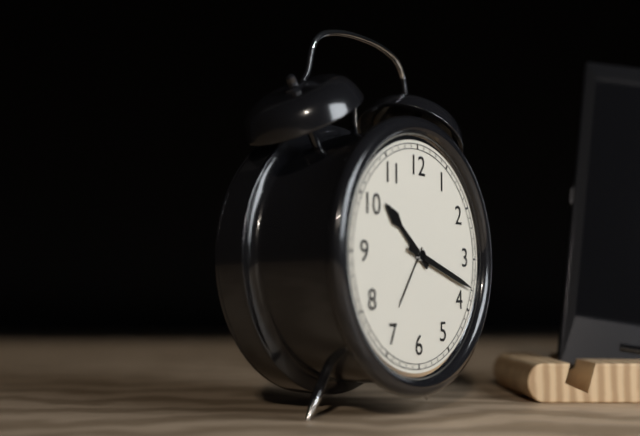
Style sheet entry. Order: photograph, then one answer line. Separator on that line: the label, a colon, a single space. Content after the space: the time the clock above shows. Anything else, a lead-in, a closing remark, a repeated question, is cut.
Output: 10:18
